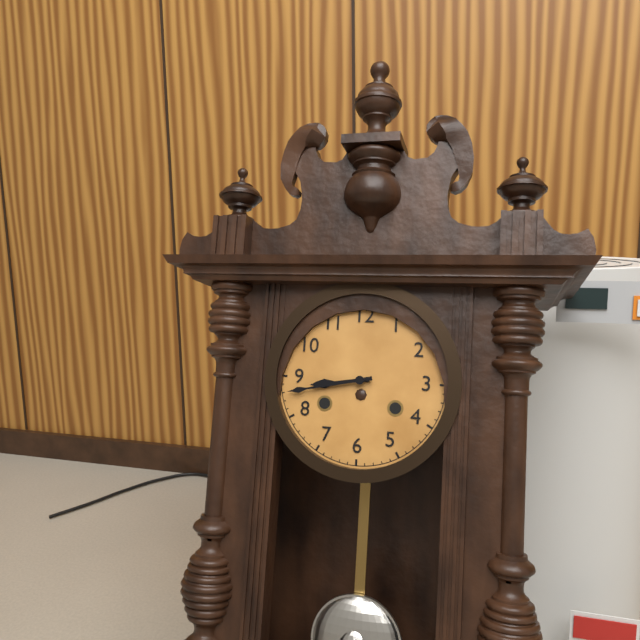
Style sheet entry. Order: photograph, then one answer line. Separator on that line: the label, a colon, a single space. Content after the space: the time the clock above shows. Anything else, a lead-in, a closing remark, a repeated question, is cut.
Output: 8:43
